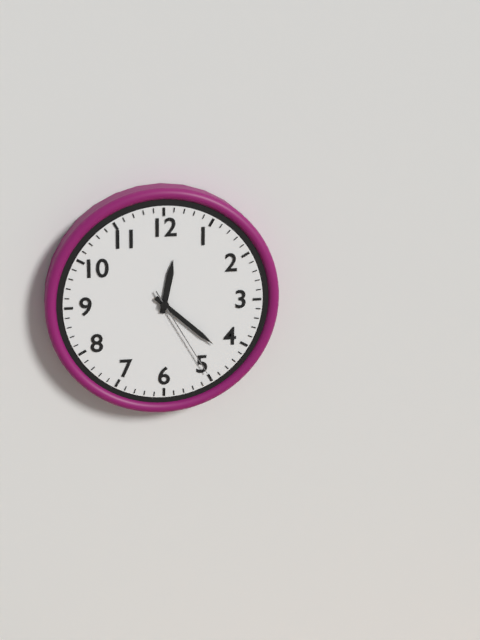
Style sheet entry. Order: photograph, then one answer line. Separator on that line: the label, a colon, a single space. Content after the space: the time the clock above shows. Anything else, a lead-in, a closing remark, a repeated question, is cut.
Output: 12:22:25
